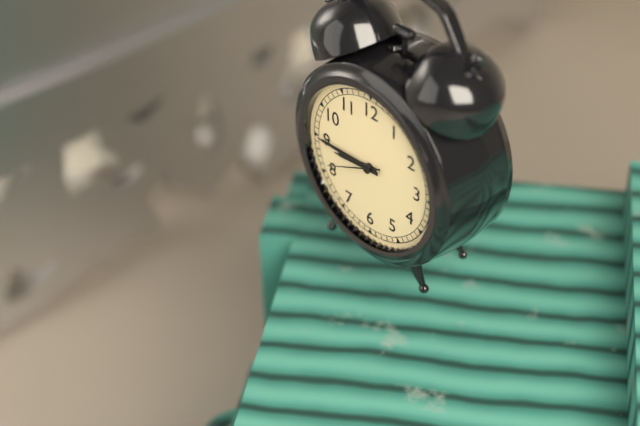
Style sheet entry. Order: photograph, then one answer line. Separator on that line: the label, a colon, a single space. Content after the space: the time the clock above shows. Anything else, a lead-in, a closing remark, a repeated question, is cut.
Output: 8:45:41
